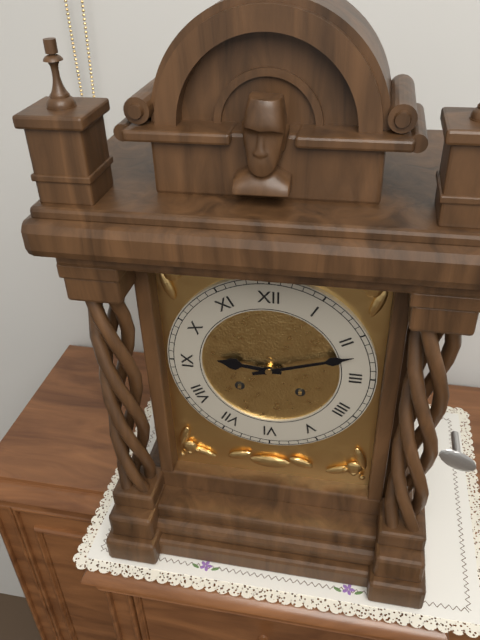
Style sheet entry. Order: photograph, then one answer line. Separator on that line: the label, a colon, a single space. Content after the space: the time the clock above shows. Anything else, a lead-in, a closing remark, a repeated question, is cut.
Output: 9:12
